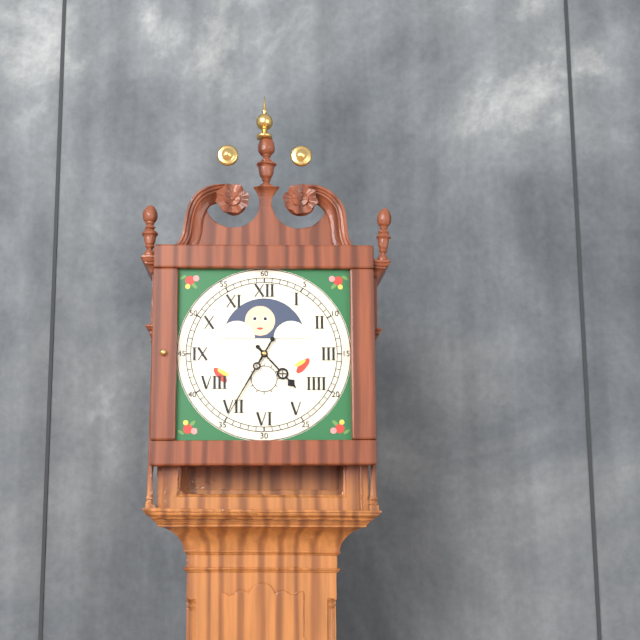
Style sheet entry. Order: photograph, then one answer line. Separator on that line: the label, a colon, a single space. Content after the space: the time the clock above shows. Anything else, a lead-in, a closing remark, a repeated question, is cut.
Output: 4:35
